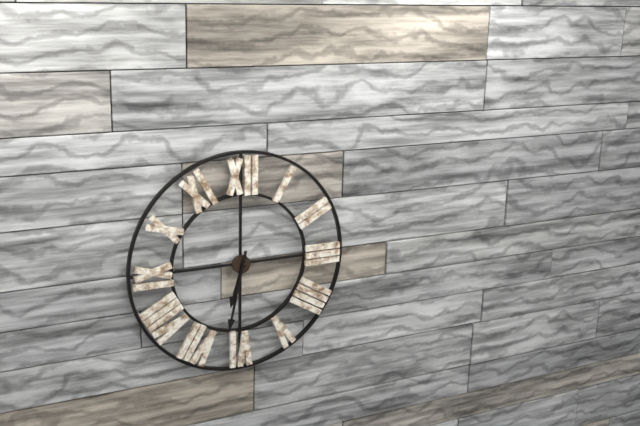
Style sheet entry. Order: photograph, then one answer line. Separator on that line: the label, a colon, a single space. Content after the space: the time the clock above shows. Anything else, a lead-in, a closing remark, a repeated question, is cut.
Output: 6:32
